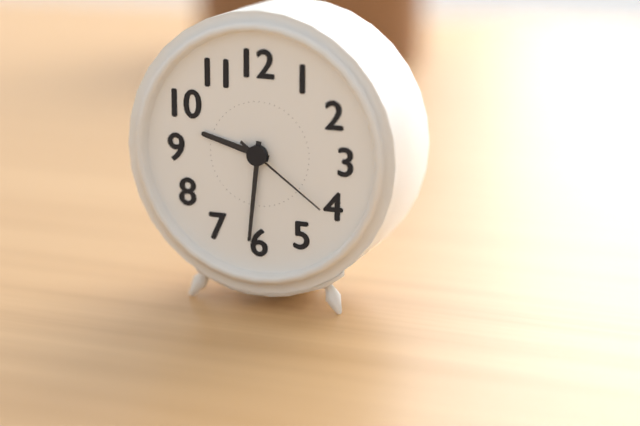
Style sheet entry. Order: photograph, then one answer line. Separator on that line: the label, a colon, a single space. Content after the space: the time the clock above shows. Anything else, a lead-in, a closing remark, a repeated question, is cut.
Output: 9:31:21
